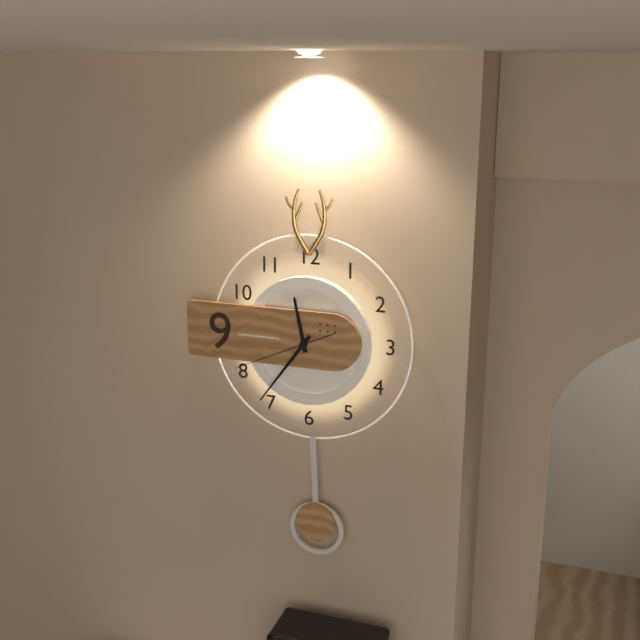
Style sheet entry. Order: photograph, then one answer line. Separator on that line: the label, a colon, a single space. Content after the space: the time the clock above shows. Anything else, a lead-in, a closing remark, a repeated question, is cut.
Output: 11:36:41
